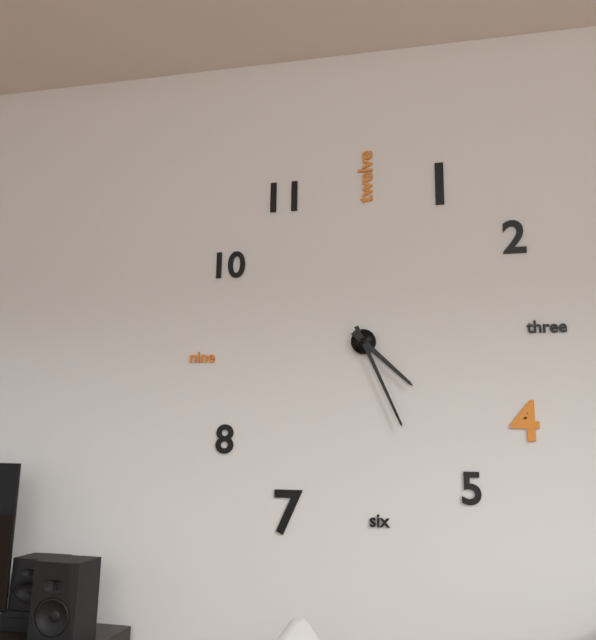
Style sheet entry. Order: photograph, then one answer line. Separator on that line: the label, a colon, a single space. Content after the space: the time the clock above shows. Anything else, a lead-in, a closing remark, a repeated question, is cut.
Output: 4:26
